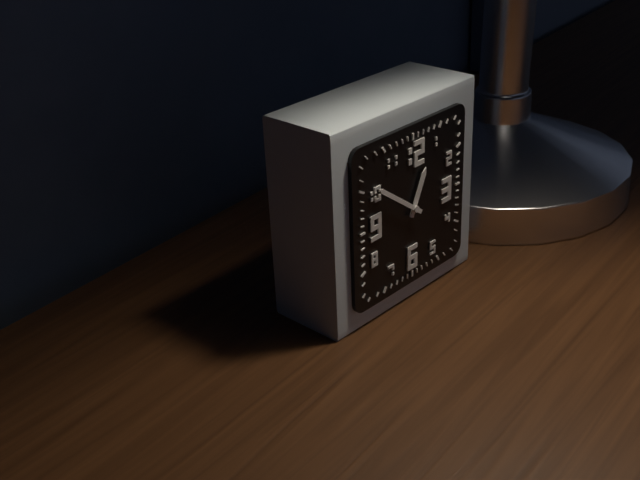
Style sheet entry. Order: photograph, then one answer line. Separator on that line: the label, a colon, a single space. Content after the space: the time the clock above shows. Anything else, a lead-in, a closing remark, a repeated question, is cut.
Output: 12:51
